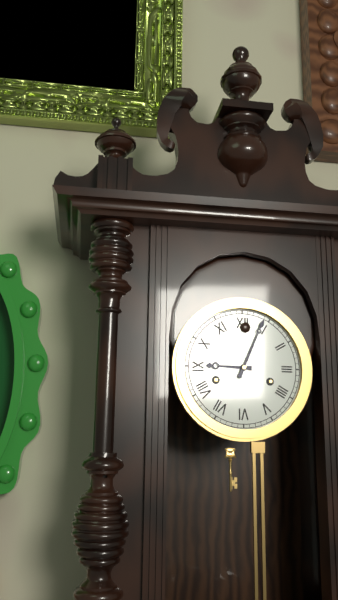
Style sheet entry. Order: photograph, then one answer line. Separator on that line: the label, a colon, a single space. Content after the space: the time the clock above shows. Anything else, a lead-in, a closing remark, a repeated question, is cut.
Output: 9:04
